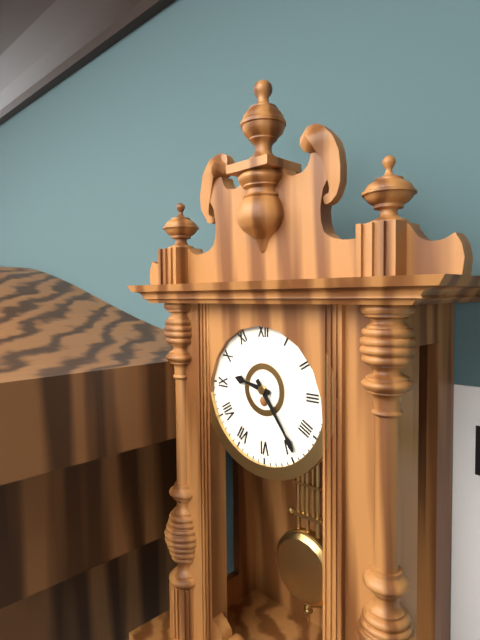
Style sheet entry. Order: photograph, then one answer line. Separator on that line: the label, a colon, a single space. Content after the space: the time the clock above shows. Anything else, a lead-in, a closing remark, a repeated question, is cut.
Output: 9:24
